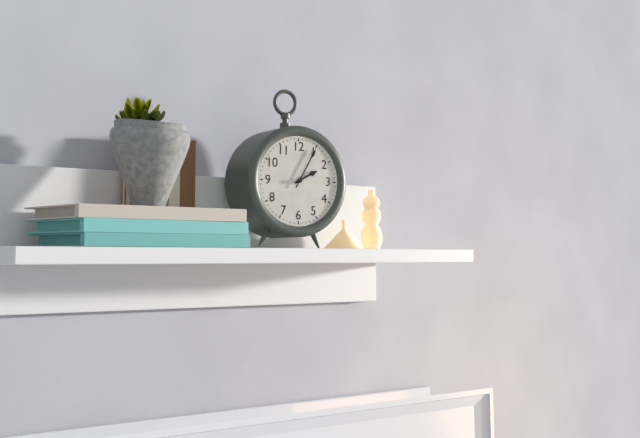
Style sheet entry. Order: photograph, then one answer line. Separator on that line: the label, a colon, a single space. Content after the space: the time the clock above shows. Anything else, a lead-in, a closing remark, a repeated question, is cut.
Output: 2:05
